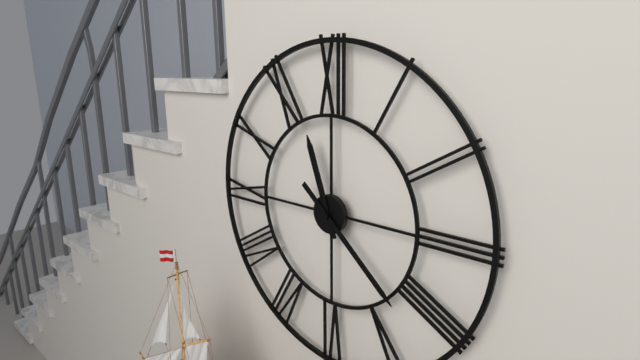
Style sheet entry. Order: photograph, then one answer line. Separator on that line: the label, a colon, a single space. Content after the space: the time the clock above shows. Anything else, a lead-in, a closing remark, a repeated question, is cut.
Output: 11:22
